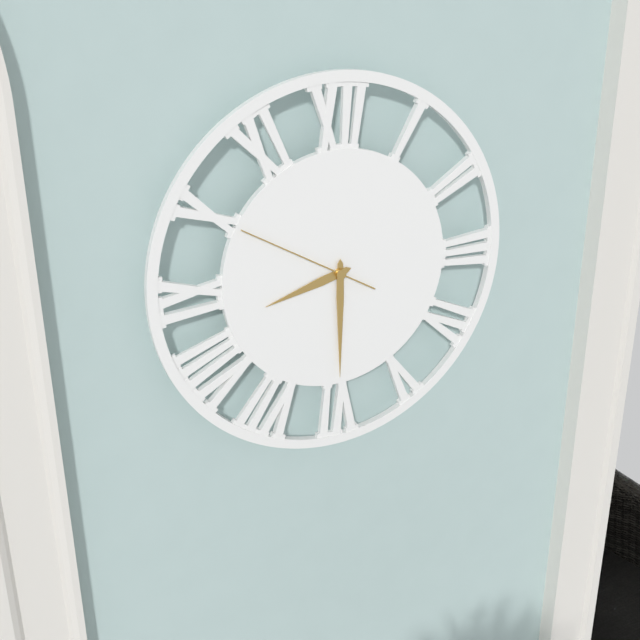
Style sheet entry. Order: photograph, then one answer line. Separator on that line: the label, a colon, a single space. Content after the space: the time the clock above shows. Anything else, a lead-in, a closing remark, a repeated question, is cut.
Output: 8:30:50
